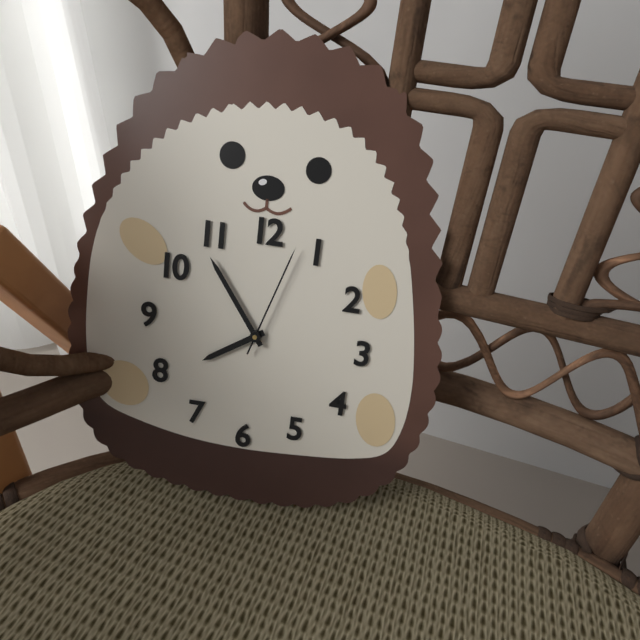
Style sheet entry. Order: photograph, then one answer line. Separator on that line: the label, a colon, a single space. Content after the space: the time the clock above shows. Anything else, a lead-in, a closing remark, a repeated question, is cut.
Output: 7:54:03
